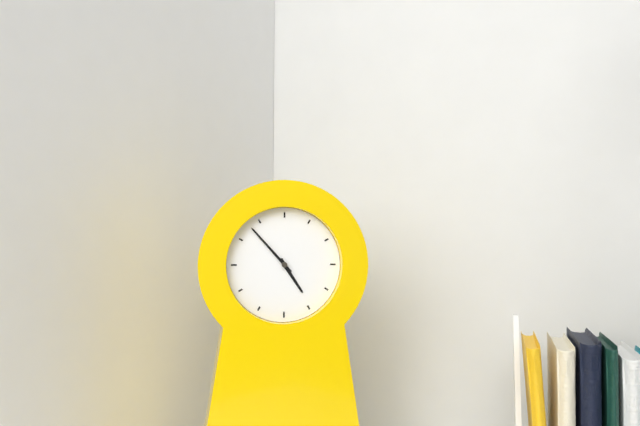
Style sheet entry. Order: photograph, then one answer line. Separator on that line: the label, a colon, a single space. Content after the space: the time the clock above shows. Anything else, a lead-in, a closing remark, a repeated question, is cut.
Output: 4:53
